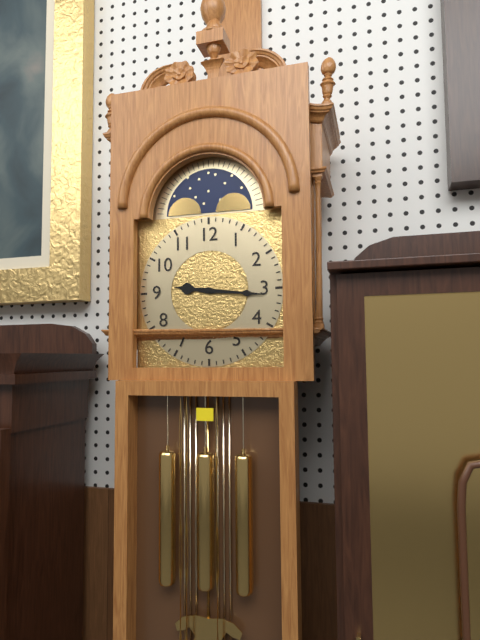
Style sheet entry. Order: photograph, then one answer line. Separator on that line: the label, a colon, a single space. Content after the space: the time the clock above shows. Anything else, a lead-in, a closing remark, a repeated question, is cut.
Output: 9:16
